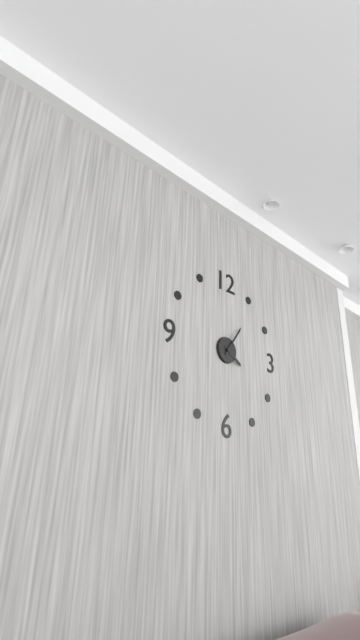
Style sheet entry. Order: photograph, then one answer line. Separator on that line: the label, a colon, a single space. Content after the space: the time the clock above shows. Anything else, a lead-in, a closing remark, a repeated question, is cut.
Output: 4:06
